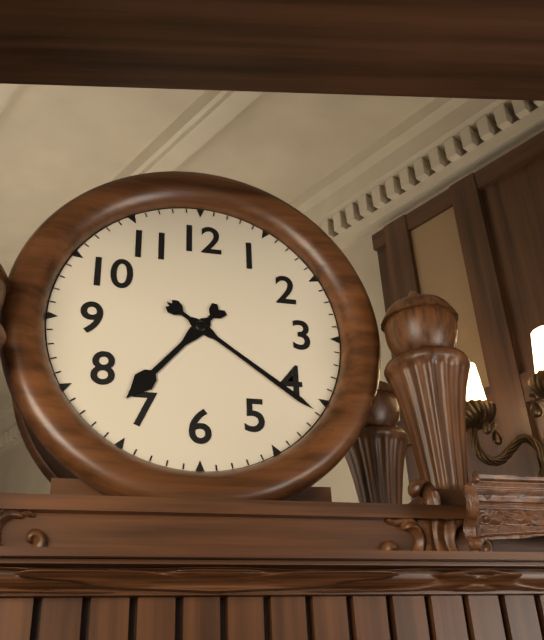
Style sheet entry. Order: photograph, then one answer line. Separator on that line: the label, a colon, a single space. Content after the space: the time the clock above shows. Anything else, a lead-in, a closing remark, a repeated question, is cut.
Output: 7:21
